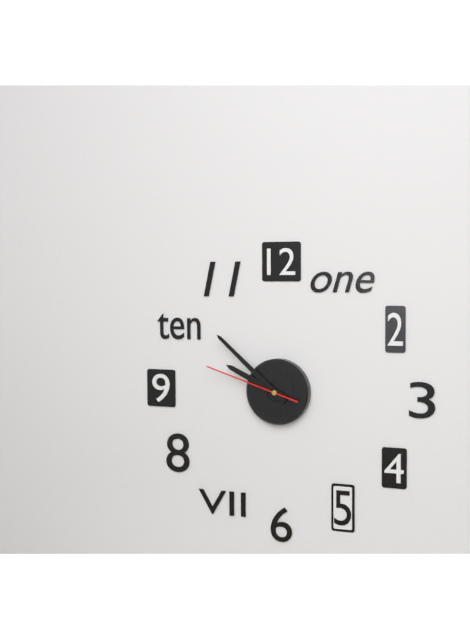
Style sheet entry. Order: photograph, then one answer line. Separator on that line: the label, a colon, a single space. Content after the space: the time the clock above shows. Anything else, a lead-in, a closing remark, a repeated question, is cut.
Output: 9:52:48
